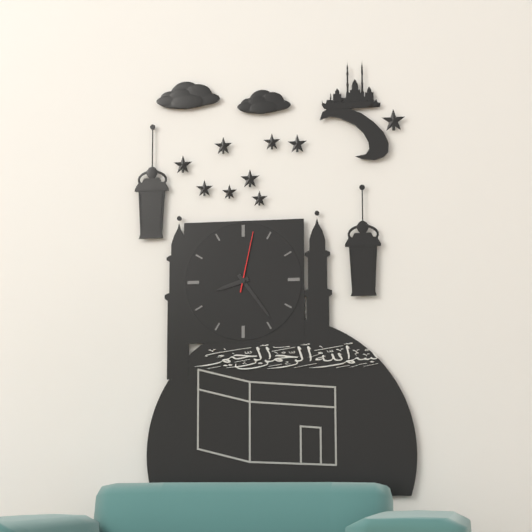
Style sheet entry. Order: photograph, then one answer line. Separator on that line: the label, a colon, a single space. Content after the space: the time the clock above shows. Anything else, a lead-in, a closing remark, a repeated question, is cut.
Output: 8:24:02
